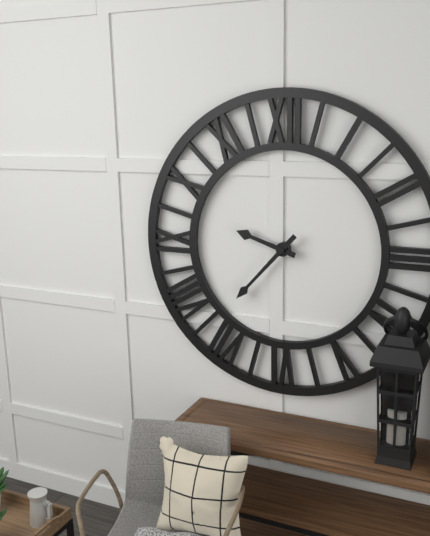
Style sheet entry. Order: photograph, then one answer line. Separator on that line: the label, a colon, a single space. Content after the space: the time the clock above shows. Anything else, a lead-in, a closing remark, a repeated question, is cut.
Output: 9:37
